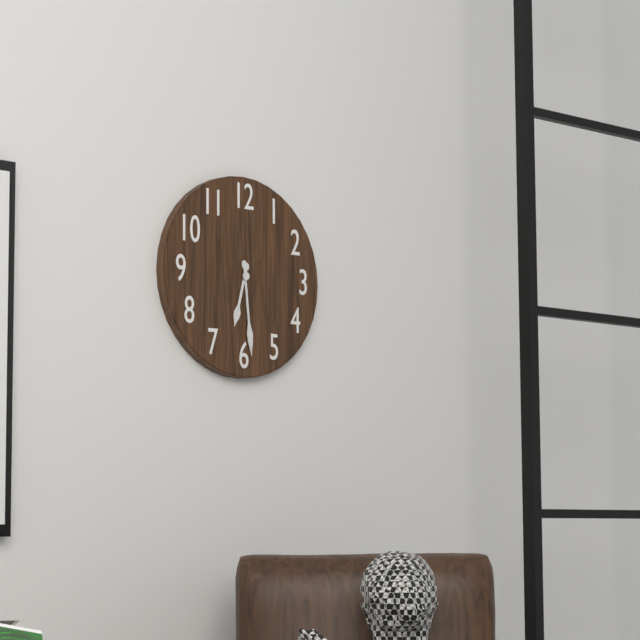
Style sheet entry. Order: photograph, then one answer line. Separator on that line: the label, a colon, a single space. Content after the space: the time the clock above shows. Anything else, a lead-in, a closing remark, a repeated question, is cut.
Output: 6:29
